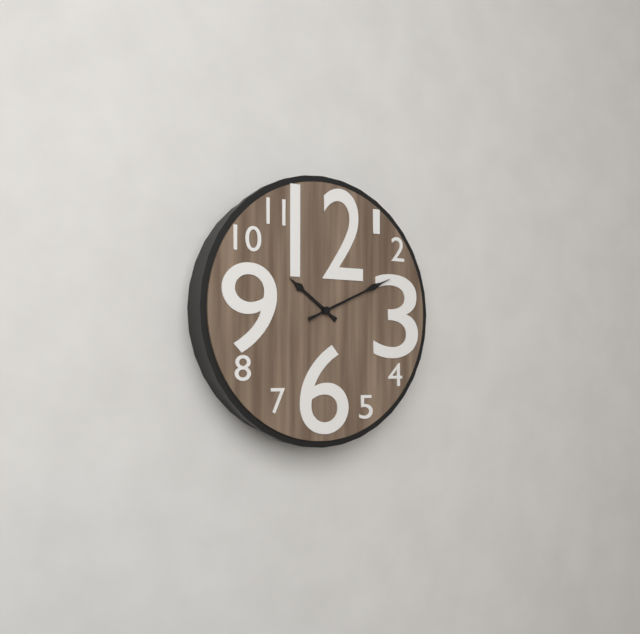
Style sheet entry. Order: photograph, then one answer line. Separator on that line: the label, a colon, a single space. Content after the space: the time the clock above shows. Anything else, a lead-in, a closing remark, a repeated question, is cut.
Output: 10:11
